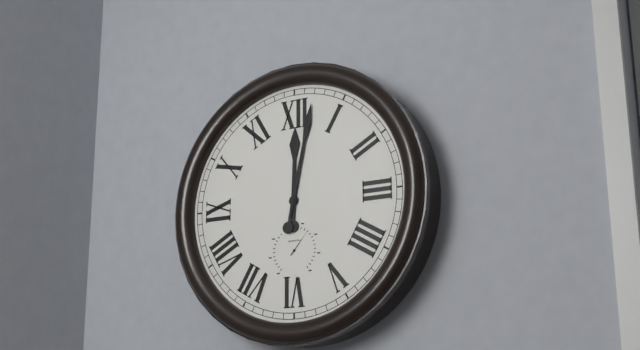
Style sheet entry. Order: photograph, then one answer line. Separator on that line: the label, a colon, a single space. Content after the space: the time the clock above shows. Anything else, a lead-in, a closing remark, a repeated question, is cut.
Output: 12:02
